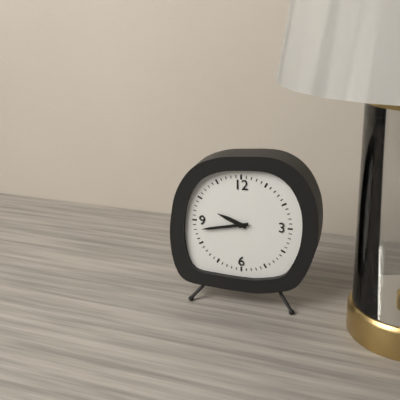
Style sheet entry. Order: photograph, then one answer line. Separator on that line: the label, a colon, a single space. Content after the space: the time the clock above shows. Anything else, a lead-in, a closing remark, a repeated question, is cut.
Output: 9:43
